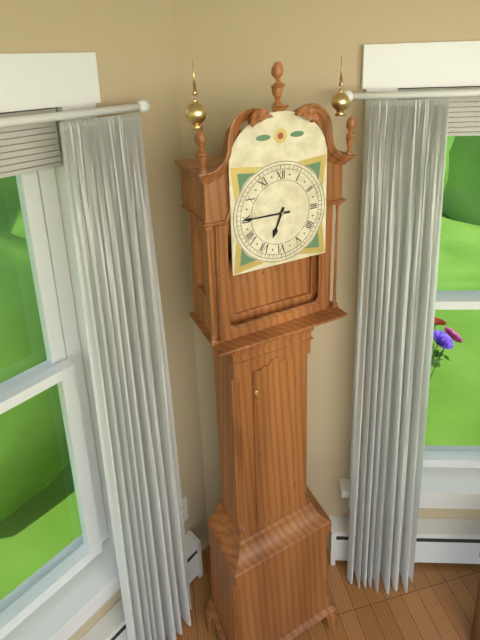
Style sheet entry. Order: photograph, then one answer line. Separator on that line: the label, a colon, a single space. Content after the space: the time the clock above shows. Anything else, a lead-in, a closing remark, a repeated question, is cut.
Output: 6:45
